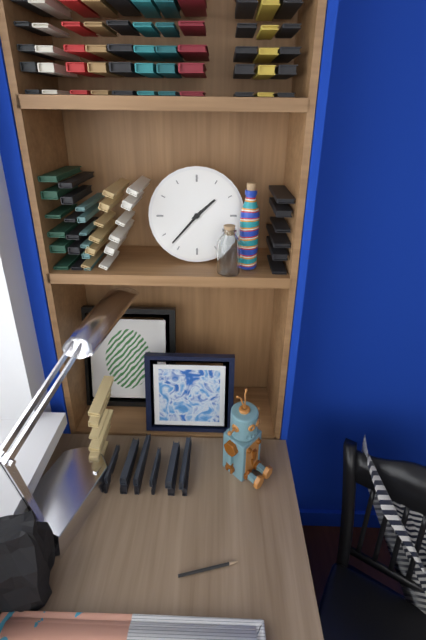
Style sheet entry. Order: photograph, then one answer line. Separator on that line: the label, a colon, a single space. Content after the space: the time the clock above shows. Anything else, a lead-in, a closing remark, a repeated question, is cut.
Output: 1:37
